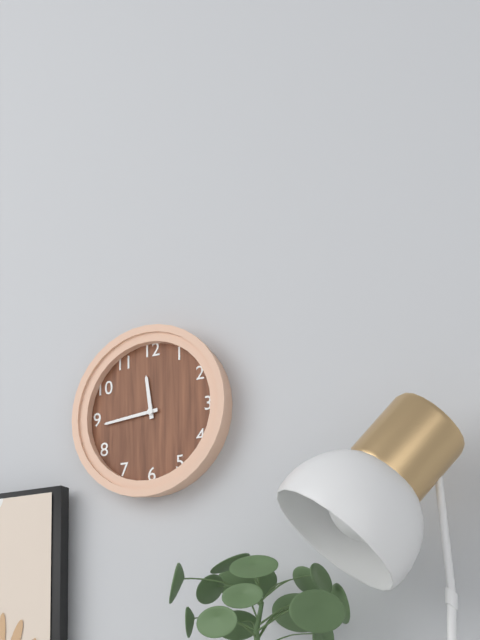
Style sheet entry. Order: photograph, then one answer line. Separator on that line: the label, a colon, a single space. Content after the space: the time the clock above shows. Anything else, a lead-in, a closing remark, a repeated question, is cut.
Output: 11:44
